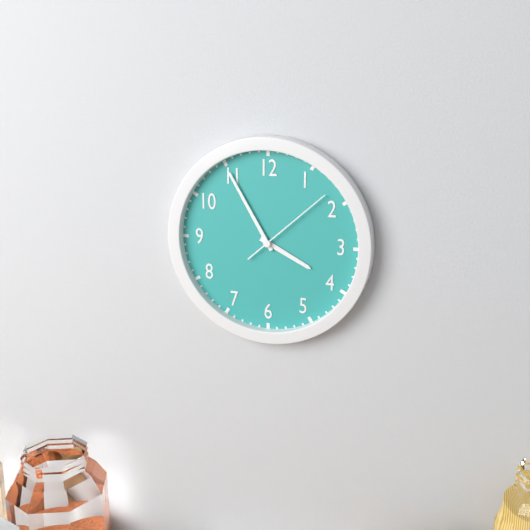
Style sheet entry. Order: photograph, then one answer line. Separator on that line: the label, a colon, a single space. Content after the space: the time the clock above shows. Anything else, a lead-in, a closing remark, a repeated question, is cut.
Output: 3:55:08
